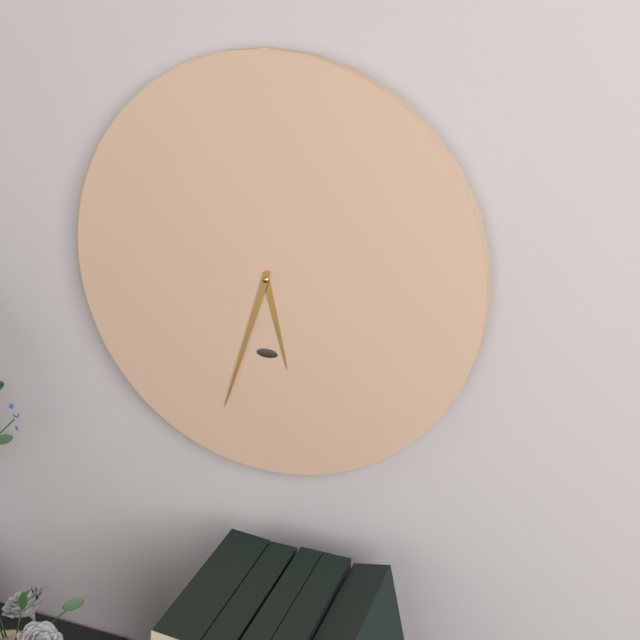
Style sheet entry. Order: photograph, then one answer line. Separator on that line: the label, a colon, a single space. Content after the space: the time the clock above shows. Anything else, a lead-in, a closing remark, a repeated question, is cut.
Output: 5:33
